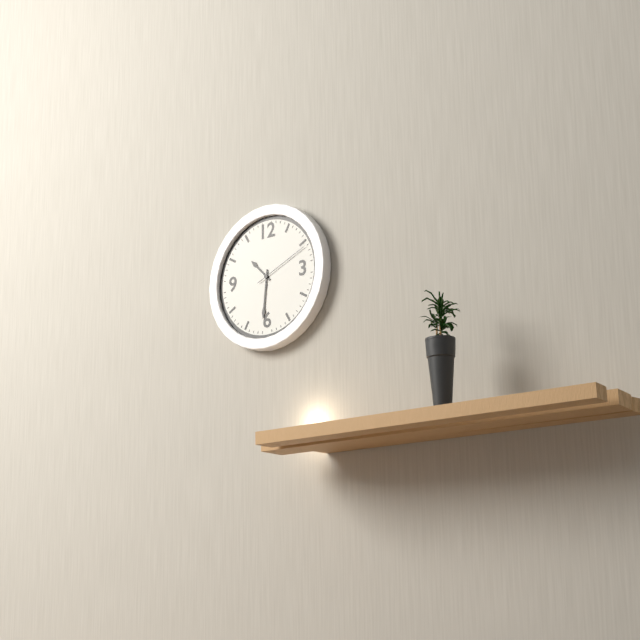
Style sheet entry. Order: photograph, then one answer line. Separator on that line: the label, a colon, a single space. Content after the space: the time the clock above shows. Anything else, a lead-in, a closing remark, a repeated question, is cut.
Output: 10:31:11
